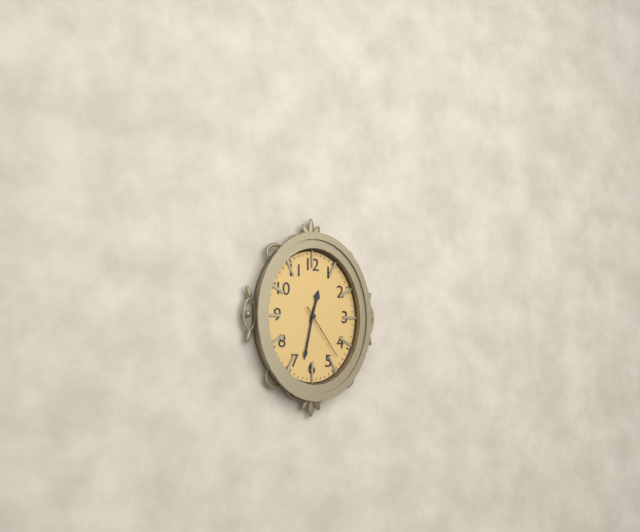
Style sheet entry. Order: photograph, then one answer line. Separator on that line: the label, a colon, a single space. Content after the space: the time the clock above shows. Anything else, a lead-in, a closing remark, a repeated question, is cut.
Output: 12:32:24
